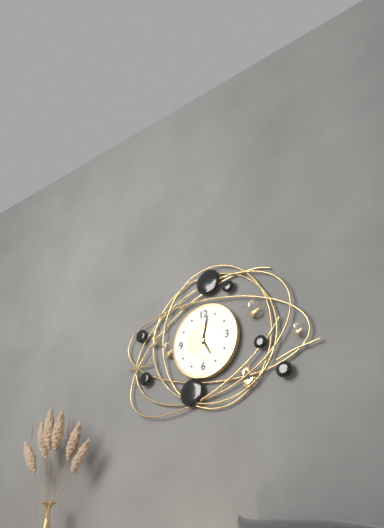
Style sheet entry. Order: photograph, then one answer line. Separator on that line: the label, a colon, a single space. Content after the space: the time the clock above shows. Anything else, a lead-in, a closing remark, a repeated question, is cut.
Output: 5:02
